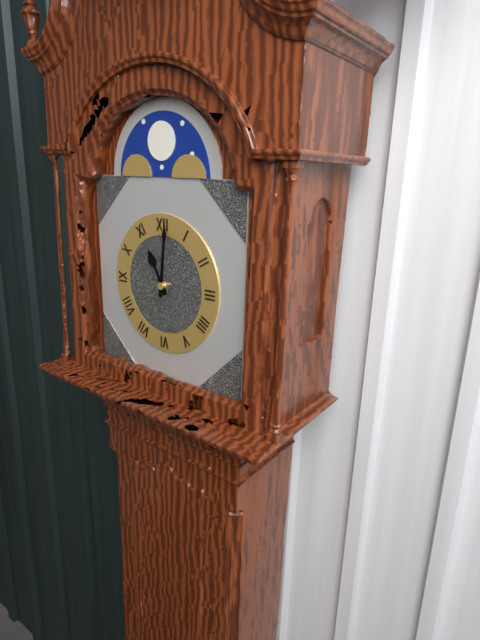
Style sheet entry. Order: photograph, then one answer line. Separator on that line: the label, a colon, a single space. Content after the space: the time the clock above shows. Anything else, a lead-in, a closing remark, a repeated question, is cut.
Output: 11:01
